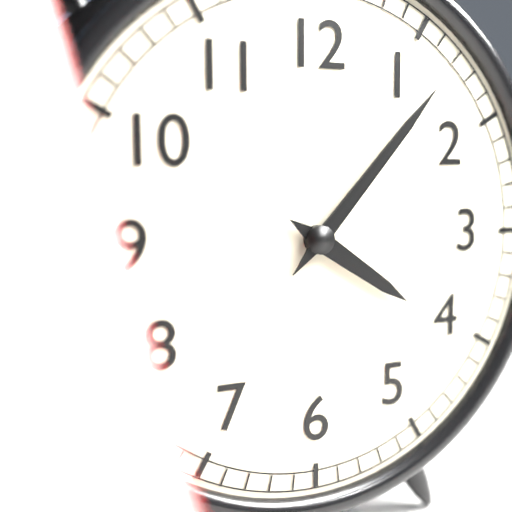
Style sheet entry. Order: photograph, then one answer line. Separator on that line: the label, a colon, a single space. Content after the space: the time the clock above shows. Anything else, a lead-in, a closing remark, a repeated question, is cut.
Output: 4:07
